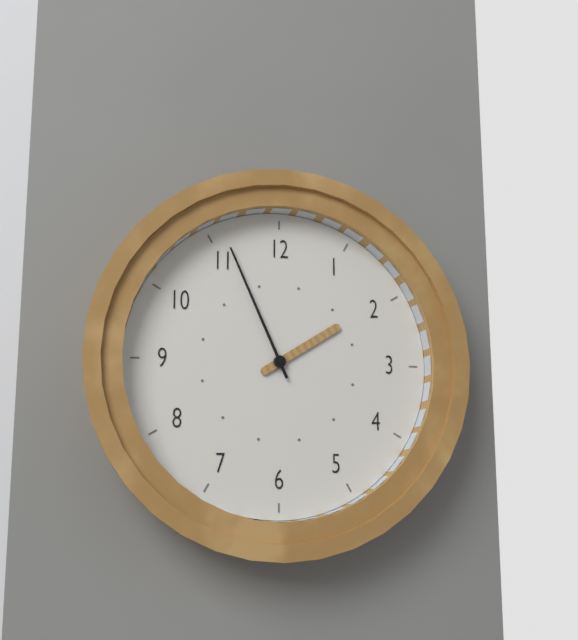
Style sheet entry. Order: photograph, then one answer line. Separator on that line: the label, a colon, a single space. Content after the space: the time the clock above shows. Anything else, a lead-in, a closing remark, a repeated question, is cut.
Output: 1:56
